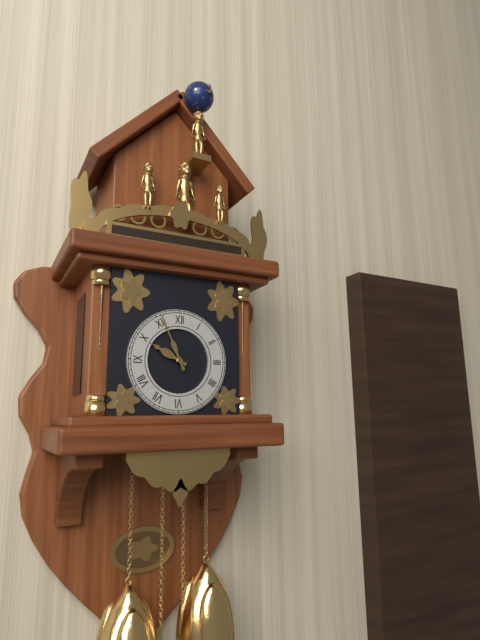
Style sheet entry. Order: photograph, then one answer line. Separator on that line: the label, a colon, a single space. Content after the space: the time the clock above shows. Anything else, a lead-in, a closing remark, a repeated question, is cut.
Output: 9:56
